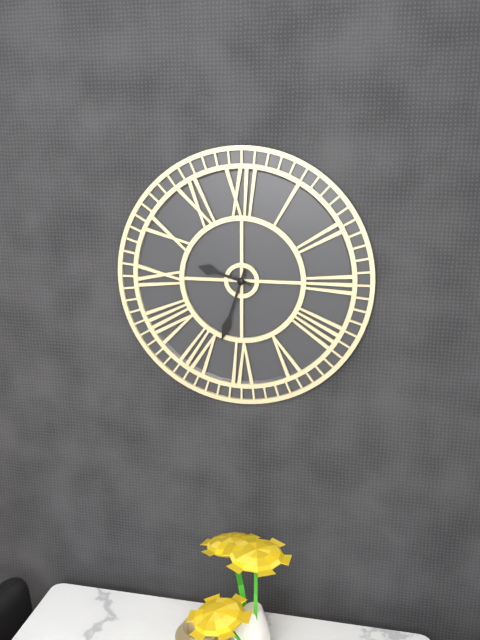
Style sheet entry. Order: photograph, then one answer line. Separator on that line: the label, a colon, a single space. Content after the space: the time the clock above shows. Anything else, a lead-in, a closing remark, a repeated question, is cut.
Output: 9:33
